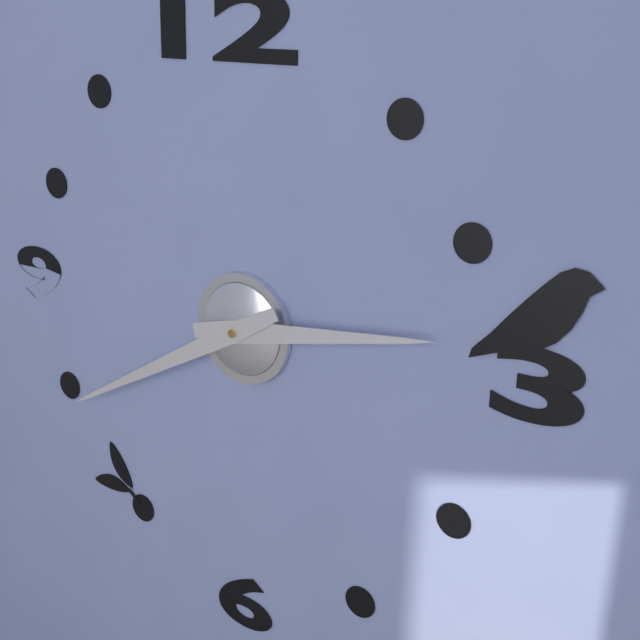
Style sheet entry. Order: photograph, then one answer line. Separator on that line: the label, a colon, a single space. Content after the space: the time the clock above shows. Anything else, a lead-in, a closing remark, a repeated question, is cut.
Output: 2:40
